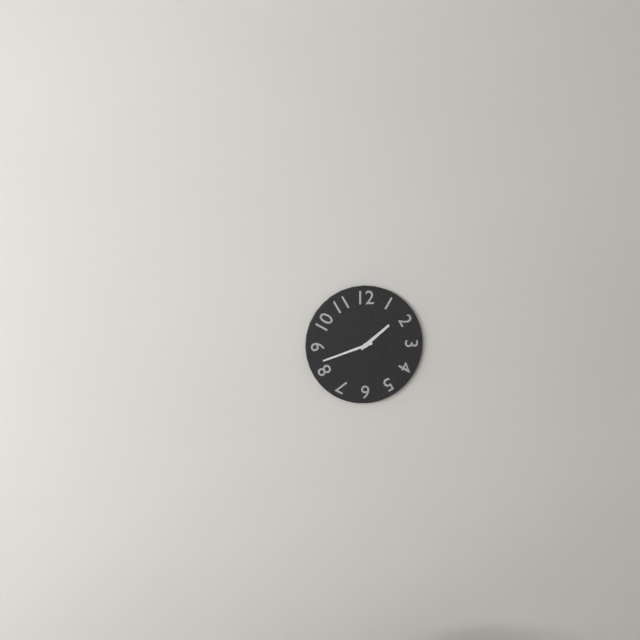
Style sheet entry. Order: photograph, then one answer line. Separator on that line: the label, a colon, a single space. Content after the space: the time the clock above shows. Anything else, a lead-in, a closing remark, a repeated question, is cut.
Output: 1:42
